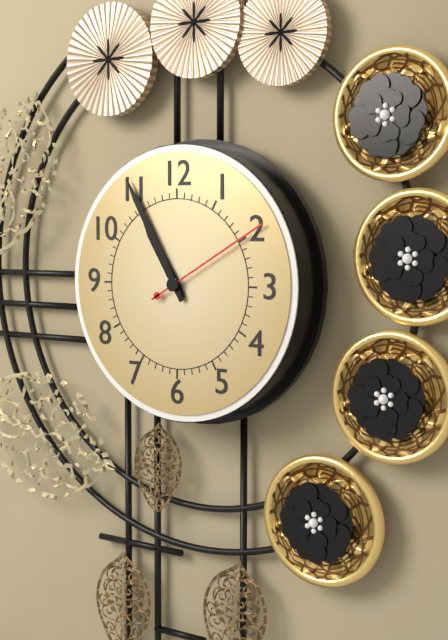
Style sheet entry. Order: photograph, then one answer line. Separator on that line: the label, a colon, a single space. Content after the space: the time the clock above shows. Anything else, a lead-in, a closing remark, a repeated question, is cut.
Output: 10:55:10
